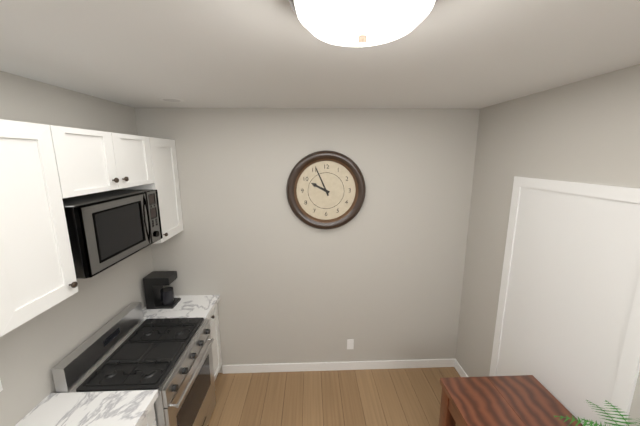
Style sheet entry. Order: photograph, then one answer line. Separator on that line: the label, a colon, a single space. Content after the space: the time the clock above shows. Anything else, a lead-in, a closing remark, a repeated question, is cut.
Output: 9:56
